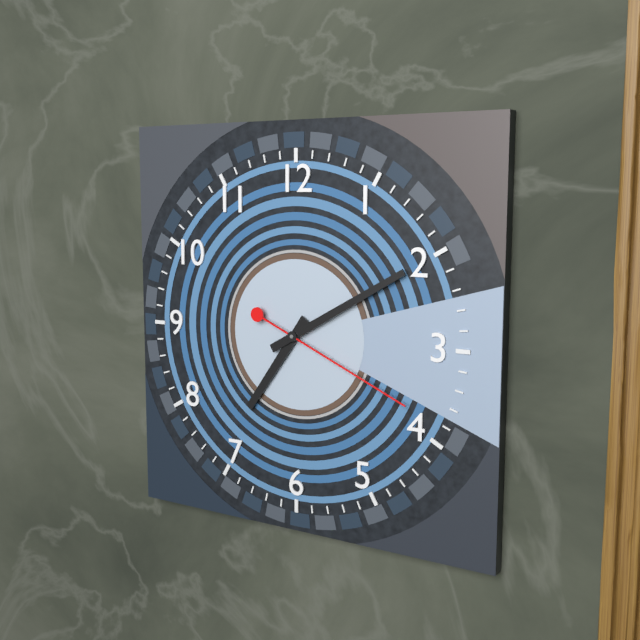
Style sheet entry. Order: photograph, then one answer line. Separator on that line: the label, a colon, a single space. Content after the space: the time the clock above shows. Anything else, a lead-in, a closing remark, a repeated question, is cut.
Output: 7:10:19
